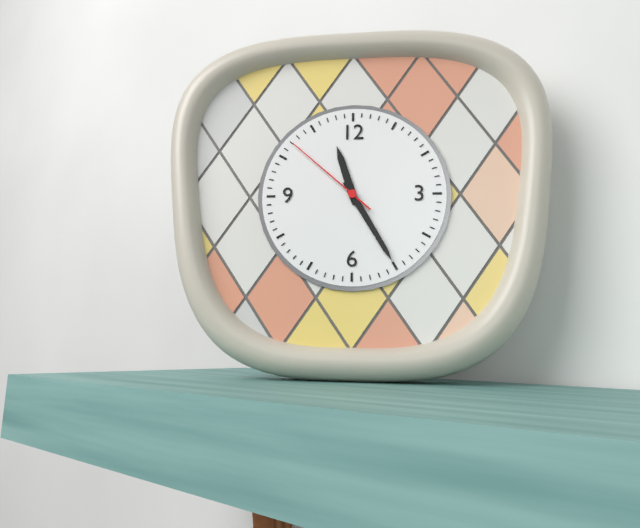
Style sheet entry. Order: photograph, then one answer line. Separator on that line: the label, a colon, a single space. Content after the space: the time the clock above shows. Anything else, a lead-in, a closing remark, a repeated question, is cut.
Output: 11:25:52
